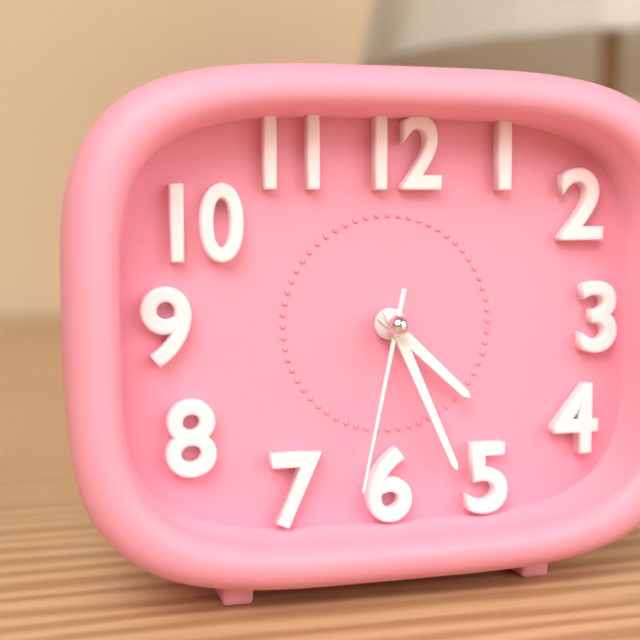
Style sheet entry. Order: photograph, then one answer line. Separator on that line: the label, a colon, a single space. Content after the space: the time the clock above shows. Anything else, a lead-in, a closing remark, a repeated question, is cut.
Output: 4:26:32
